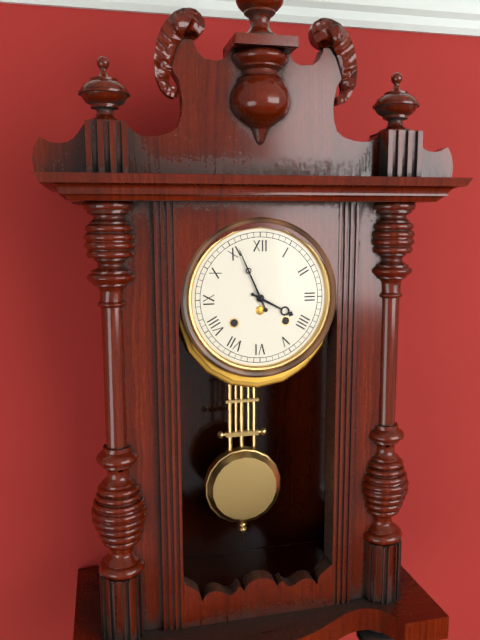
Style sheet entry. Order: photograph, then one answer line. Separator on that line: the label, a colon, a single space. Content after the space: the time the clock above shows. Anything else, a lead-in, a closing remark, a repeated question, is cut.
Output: 3:56
